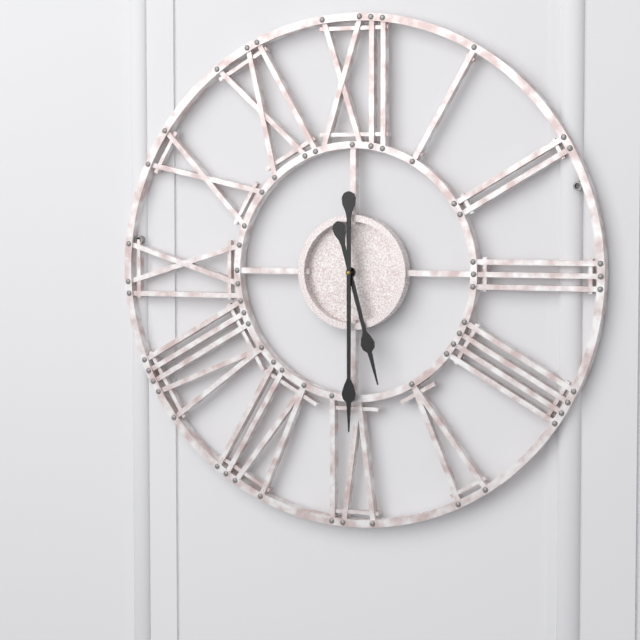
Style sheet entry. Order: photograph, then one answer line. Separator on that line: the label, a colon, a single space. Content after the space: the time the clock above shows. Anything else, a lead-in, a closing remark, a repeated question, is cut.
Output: 5:30
